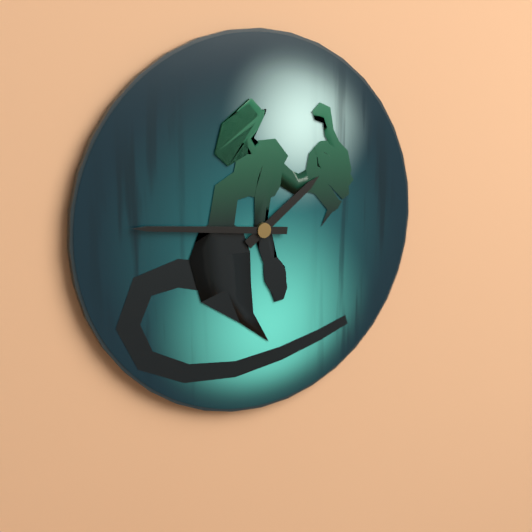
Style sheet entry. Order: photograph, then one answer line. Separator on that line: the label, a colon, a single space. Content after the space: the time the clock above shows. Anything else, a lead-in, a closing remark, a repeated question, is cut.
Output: 1:46
